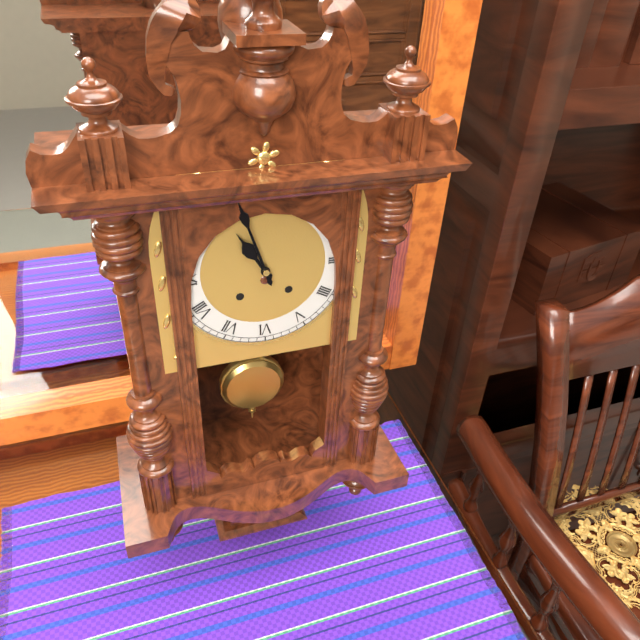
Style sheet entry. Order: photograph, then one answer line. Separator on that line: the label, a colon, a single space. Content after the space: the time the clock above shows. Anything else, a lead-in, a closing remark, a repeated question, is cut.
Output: 10:57
